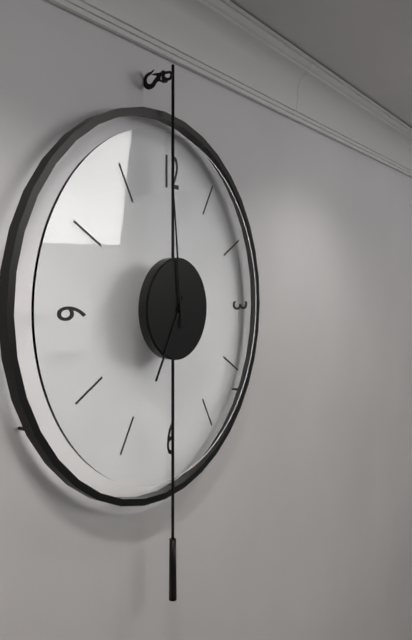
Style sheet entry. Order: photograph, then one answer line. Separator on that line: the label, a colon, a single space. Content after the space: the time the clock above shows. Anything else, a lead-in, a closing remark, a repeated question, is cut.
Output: 6:59
